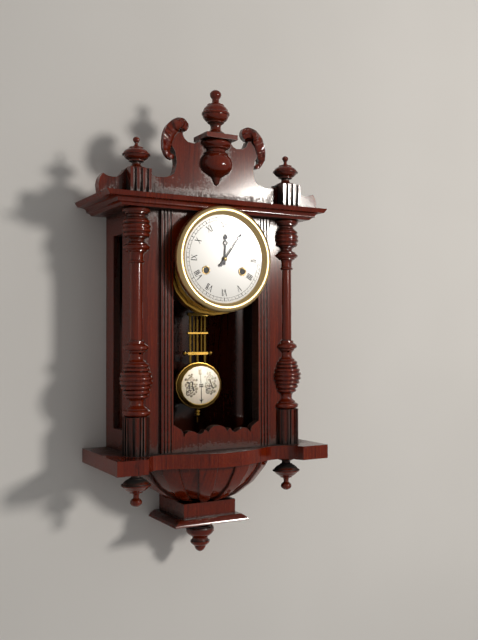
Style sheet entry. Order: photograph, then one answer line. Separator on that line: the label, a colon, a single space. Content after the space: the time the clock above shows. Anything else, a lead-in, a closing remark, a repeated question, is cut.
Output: 12:06
